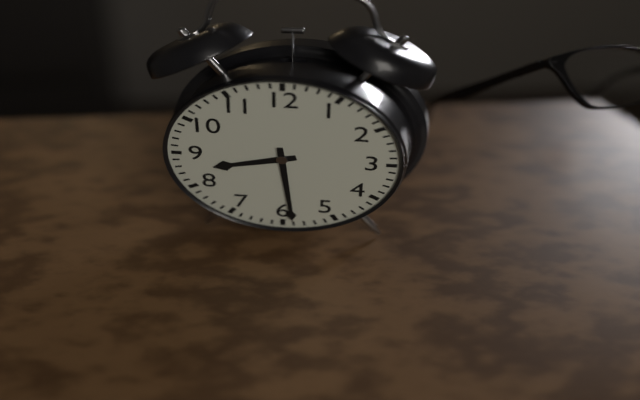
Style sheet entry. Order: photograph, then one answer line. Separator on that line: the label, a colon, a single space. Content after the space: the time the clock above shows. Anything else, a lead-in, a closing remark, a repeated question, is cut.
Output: 8:29
